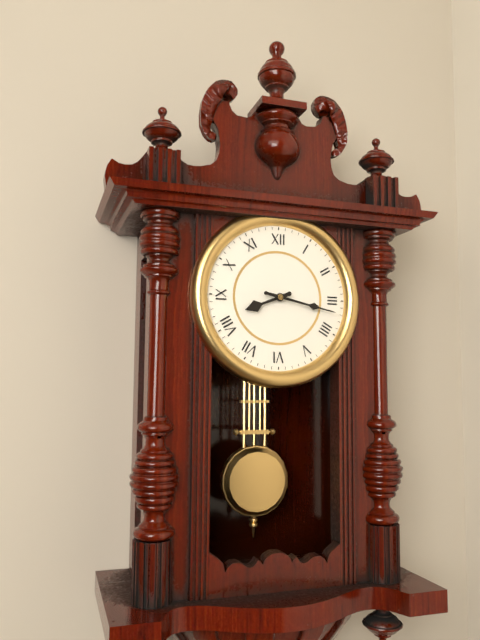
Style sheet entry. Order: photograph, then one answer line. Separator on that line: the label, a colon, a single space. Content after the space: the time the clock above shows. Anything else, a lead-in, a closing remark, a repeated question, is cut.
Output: 8:17
